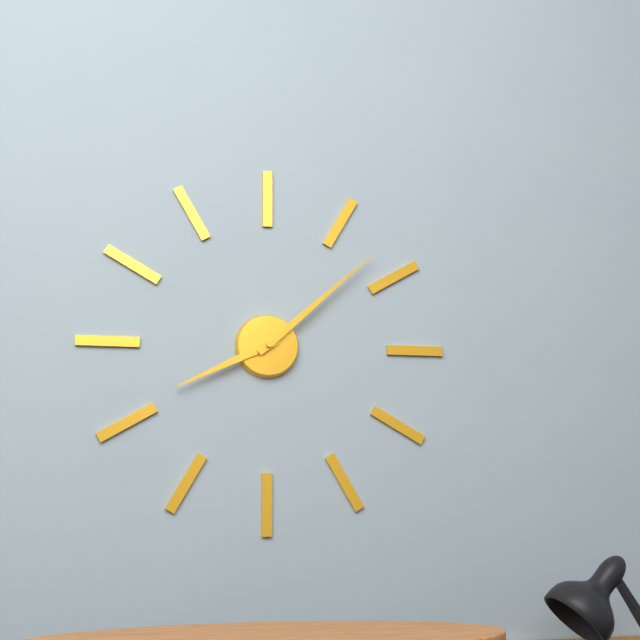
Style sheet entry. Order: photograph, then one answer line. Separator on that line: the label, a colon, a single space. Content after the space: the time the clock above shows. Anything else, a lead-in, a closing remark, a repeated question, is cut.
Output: 8:08
